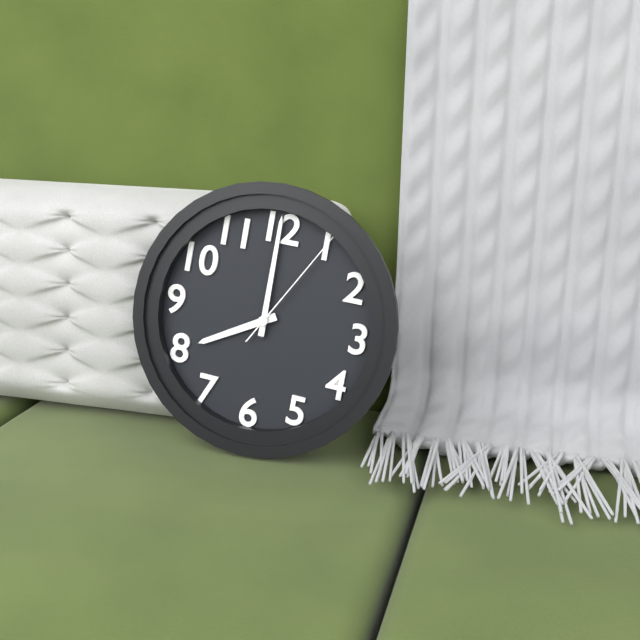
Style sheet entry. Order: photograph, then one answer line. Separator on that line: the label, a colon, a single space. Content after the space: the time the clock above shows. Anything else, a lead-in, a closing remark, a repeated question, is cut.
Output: 8:00:05
